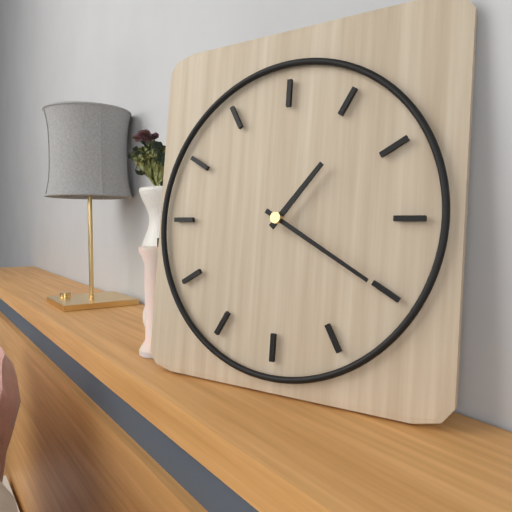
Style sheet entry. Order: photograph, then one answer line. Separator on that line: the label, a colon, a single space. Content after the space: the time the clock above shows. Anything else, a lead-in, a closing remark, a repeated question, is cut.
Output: 1:20
